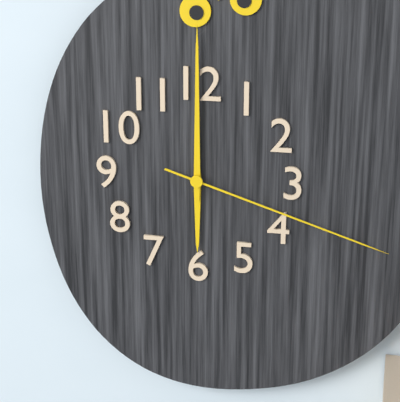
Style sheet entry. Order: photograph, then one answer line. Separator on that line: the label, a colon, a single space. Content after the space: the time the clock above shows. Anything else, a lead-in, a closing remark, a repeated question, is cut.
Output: 6:00:18
